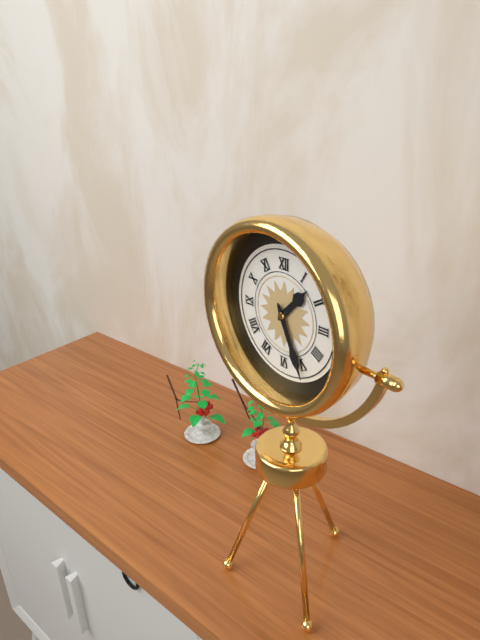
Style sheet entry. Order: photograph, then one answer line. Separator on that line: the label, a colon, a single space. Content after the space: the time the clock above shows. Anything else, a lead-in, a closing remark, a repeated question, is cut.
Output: 1:26
